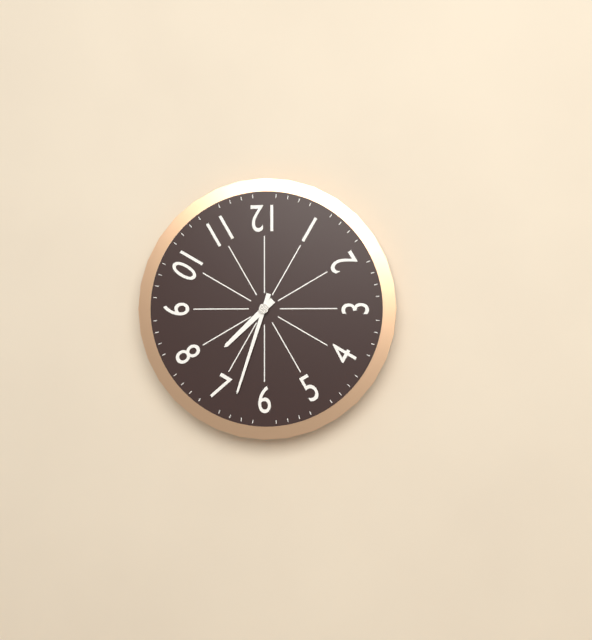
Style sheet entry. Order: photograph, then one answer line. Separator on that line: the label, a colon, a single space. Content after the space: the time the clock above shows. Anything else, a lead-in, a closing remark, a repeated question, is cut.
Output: 7:33
